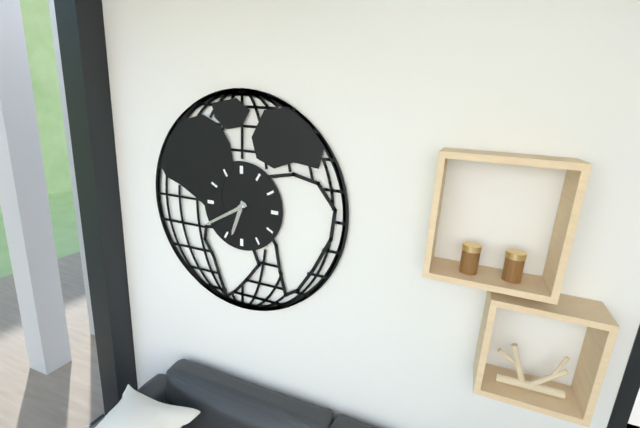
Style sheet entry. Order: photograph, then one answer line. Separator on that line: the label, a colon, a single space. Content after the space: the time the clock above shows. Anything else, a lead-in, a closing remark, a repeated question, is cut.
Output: 6:40
